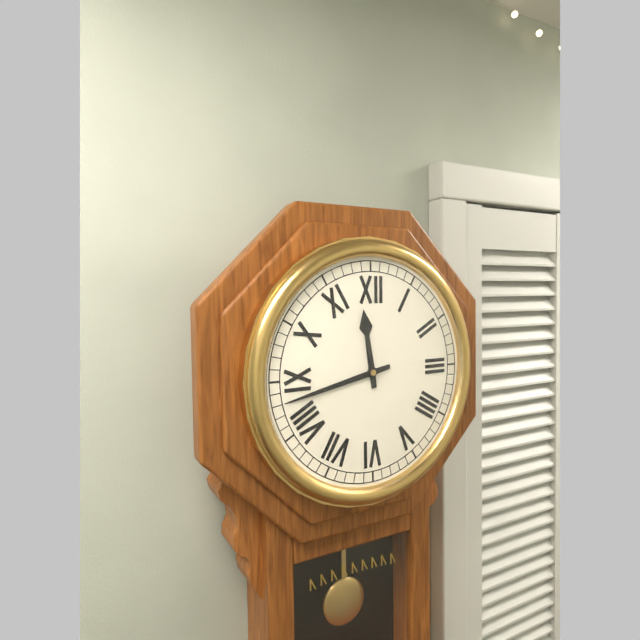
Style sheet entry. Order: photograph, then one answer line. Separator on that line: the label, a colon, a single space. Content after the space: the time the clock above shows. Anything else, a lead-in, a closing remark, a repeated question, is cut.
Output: 11:43
